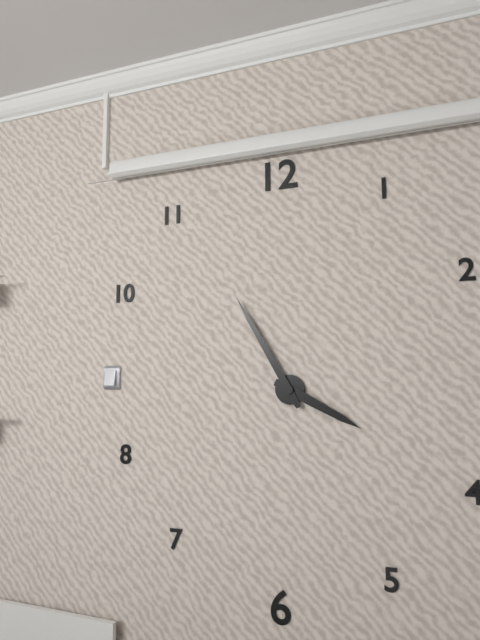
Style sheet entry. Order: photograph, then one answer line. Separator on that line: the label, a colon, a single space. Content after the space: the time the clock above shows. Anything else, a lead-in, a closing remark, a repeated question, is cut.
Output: 3:55
